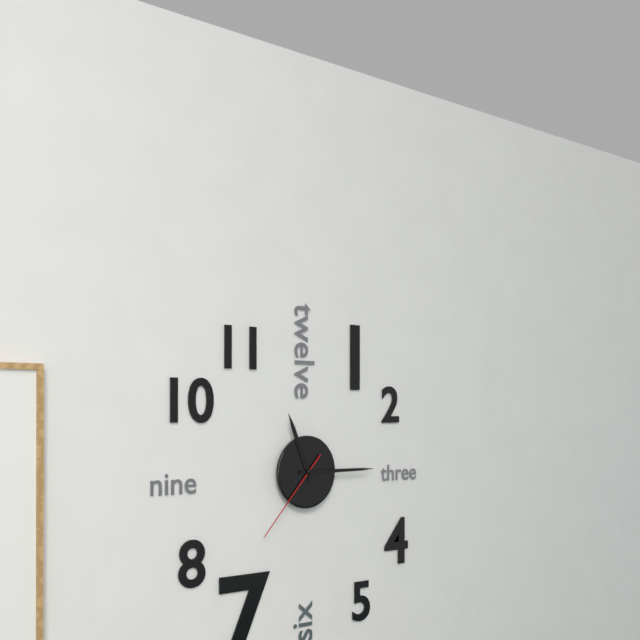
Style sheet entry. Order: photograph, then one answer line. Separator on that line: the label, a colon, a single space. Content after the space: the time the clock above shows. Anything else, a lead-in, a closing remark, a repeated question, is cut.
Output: 11:15:37
